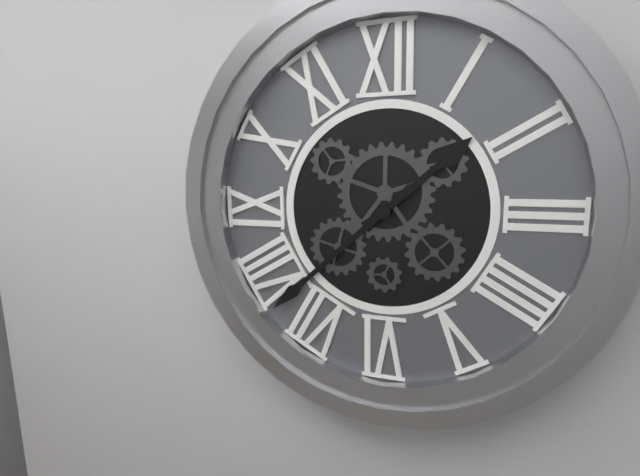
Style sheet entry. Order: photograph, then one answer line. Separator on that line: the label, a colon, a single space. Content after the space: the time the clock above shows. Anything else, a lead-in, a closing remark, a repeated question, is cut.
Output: 1:38
